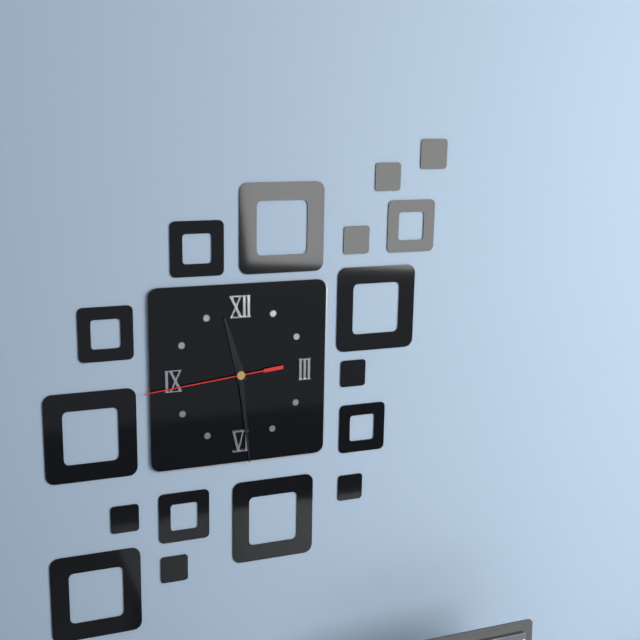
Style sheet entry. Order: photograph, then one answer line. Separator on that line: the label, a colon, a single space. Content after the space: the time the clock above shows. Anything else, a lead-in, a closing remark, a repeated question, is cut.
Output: 11:29:44
